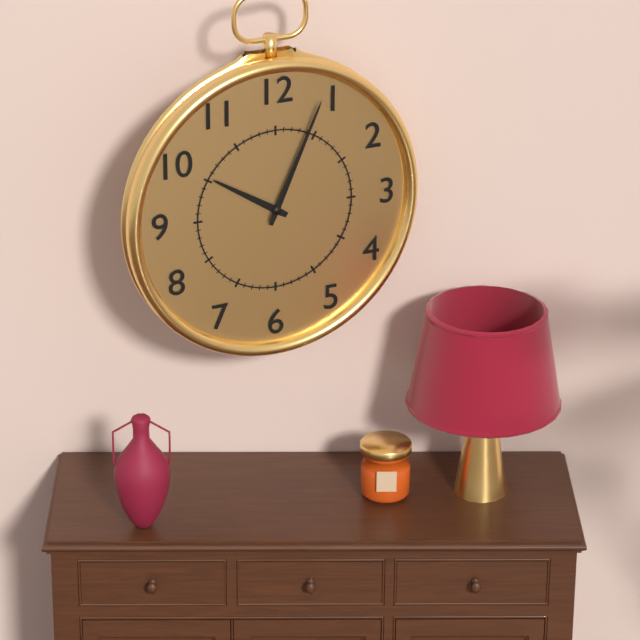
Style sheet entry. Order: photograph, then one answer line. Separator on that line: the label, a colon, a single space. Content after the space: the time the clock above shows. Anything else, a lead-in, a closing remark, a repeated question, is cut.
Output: 10:04
